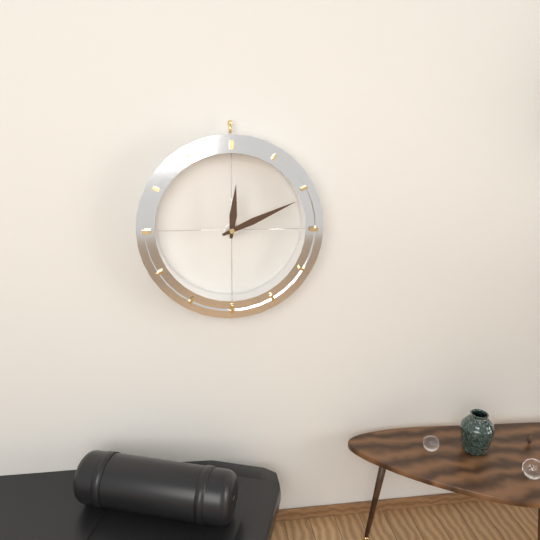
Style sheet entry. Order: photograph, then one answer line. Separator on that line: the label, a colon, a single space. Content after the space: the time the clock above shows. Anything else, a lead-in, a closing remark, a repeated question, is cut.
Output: 12:11
